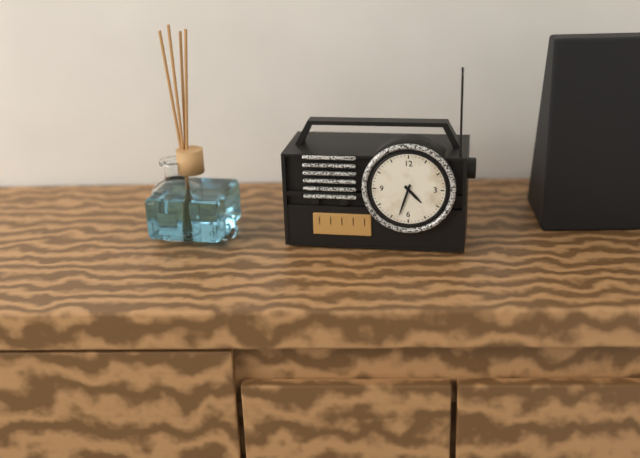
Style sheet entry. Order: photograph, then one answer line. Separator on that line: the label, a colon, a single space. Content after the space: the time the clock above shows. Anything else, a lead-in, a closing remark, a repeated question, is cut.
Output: 4:33
